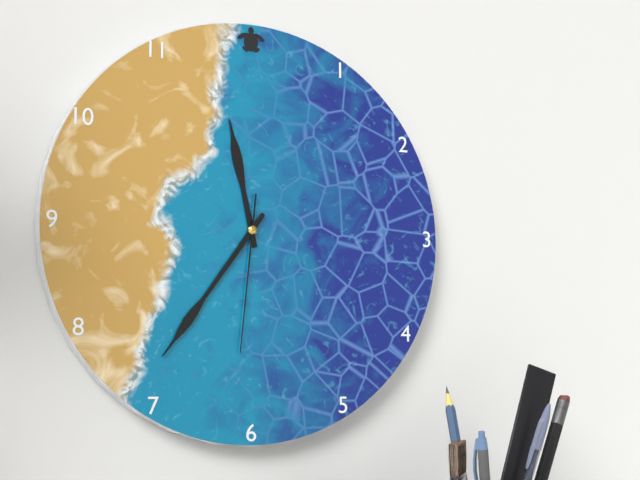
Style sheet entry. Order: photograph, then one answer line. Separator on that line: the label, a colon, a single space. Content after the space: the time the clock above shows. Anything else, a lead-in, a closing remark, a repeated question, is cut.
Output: 11:36:31
